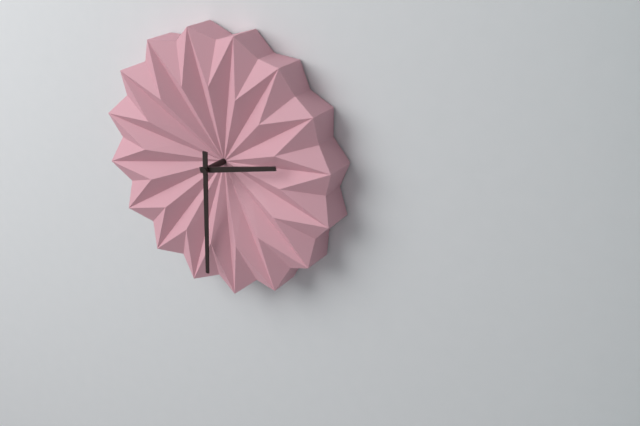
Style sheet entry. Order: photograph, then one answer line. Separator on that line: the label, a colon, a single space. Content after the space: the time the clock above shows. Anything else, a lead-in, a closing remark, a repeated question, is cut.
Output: 2:30
